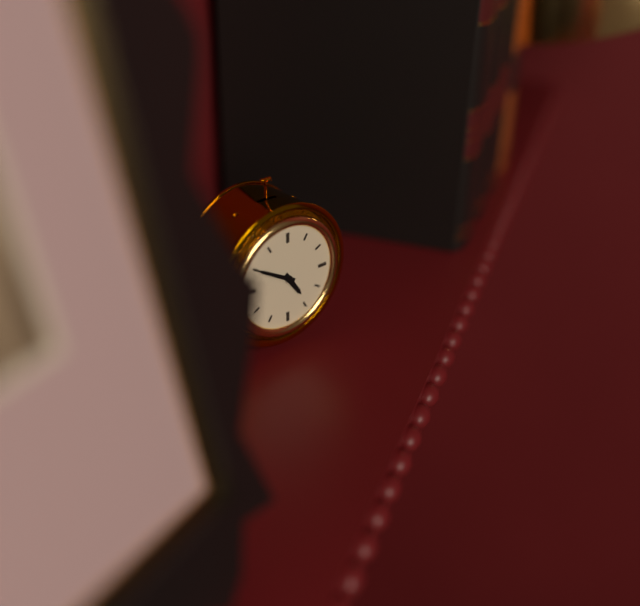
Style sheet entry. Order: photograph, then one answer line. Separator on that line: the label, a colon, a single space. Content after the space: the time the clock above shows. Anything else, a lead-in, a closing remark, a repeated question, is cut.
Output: 4:50
